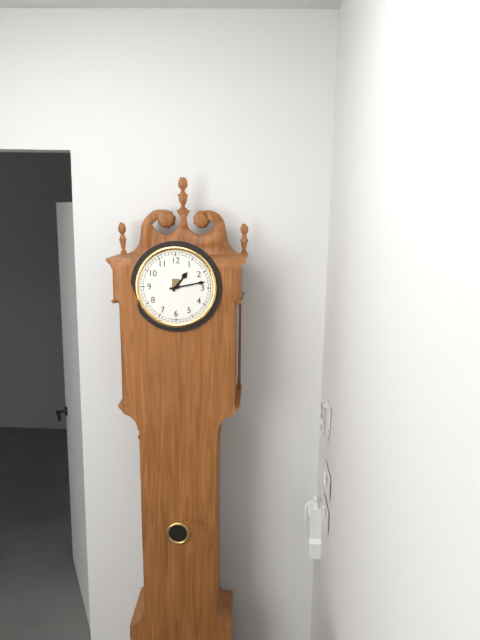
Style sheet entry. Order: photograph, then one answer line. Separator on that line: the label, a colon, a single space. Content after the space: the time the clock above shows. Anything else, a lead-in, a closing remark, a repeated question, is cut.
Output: 1:13
